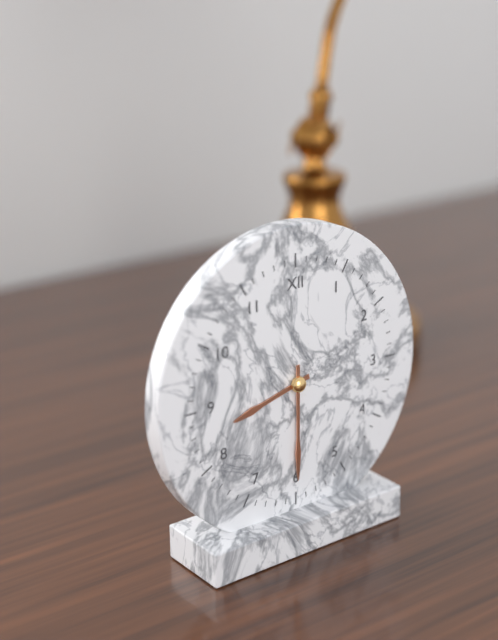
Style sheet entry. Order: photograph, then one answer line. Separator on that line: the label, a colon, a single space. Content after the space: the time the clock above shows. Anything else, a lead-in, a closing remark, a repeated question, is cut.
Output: 8:30
